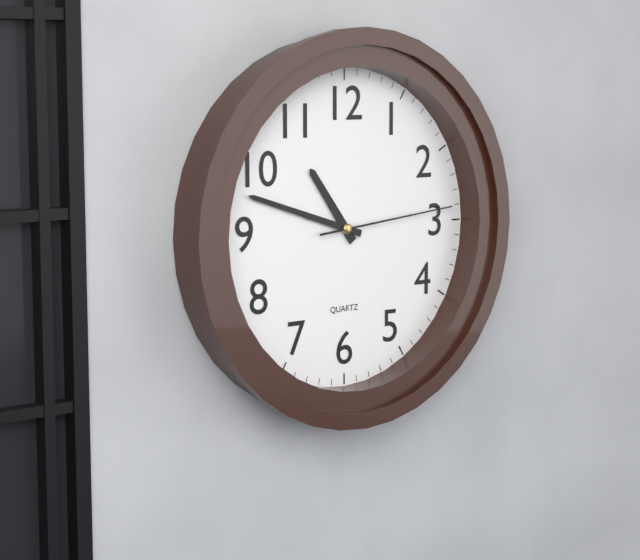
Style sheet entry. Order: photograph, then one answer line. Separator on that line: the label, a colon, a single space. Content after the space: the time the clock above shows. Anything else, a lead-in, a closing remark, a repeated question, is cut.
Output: 10:48:14
